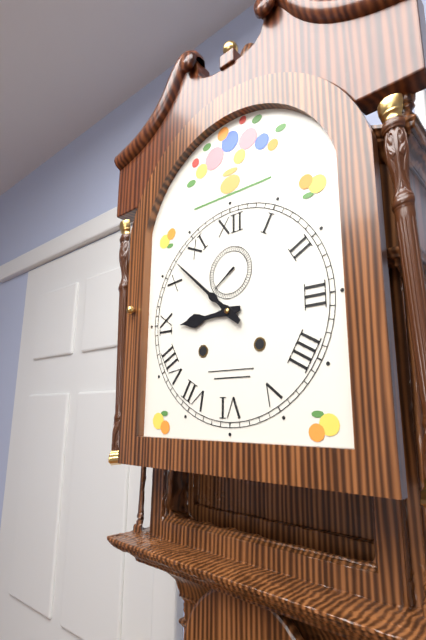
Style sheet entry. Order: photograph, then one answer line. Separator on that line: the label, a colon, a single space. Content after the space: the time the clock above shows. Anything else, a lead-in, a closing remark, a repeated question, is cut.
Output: 8:52
